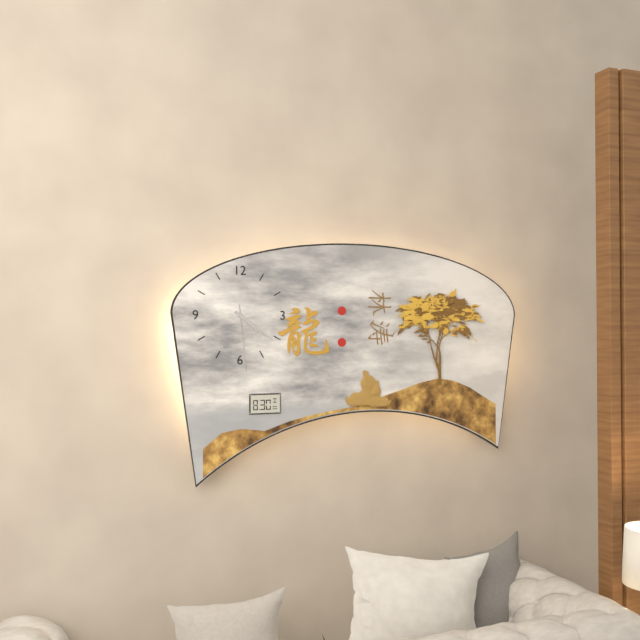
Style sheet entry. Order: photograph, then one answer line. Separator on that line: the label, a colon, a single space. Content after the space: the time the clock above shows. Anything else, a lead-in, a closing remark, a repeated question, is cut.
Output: 4:21:29
